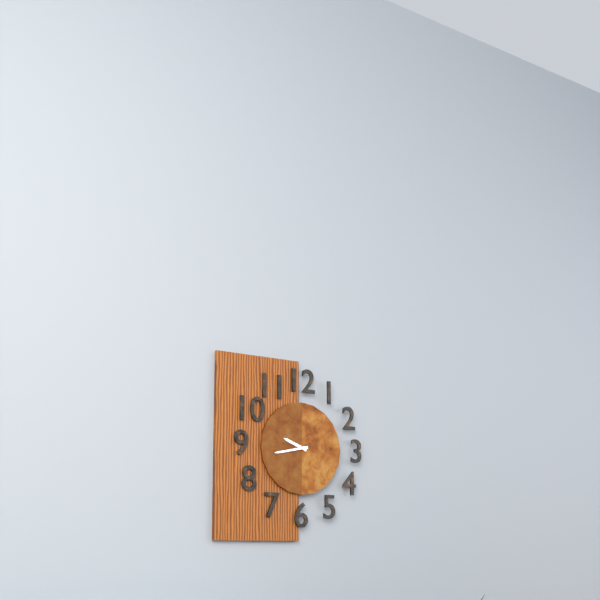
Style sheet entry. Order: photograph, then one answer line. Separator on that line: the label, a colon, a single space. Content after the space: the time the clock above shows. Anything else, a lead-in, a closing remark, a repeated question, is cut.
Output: 9:43
